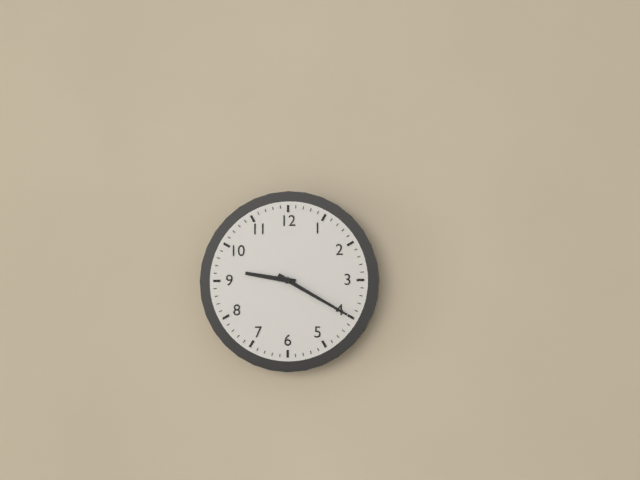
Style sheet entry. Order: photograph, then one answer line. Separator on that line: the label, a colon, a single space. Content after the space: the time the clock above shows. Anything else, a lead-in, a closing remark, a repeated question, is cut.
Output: 9:20
